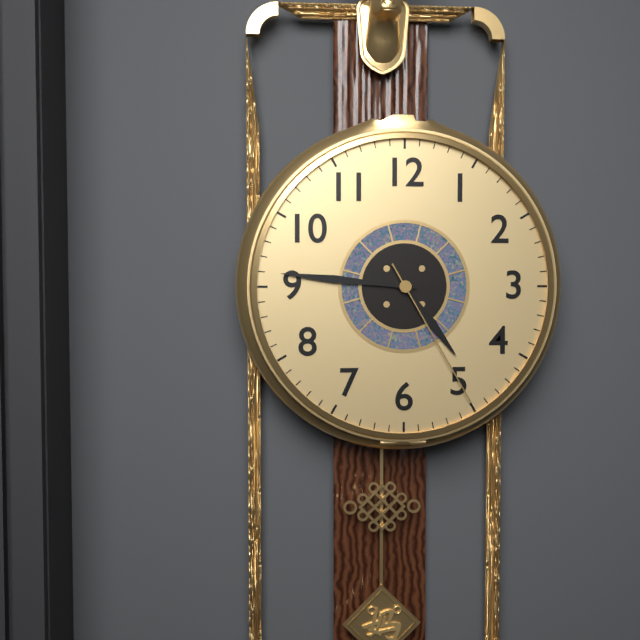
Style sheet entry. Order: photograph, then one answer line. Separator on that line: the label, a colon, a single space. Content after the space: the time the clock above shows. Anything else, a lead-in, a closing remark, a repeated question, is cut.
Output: 4:46:25
